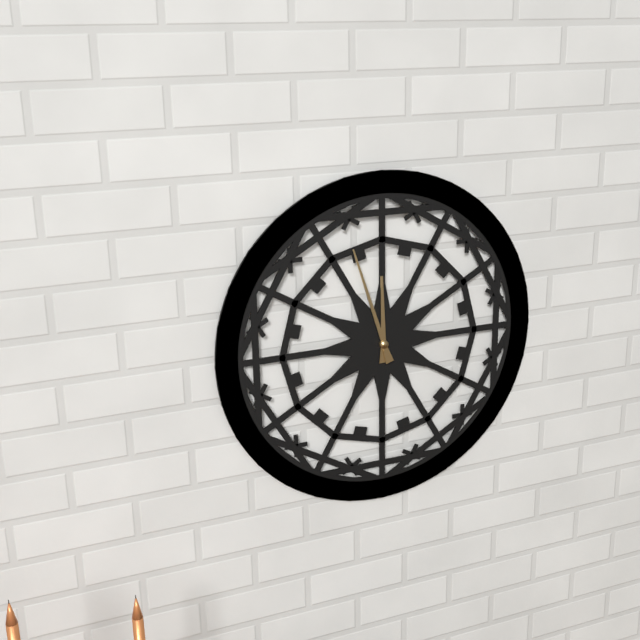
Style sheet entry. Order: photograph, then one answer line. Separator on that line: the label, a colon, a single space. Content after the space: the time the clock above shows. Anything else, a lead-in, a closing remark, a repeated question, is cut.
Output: 11:57
